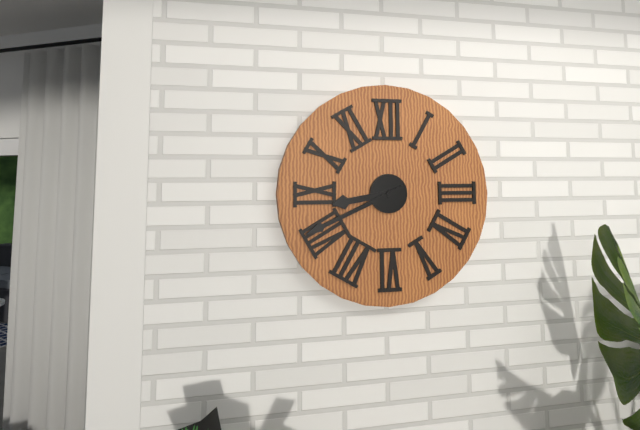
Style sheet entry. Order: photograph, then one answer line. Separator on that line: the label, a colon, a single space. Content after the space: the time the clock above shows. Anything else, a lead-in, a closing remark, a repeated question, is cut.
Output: 8:41
